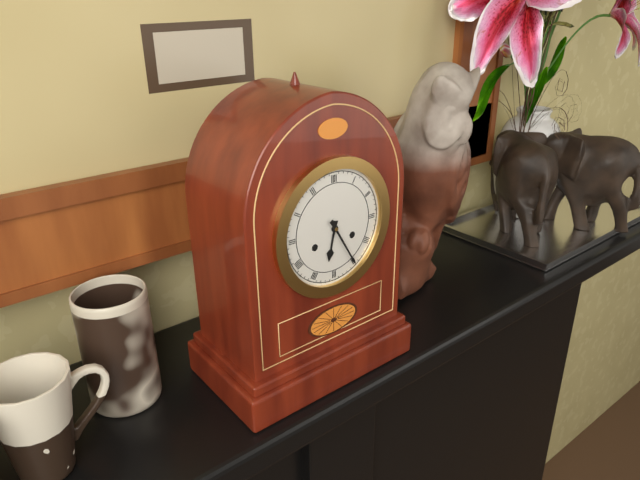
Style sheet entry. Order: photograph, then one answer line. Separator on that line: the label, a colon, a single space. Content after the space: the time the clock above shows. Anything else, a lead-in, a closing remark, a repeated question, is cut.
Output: 6:25
